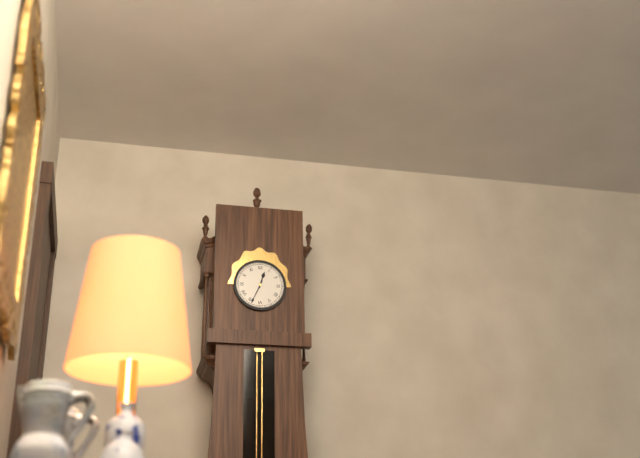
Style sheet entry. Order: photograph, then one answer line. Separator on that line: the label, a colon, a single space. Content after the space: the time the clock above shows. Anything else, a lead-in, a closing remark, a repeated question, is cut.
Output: 12:34
